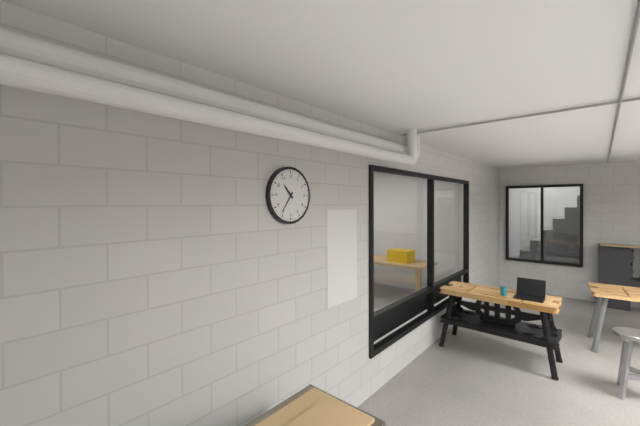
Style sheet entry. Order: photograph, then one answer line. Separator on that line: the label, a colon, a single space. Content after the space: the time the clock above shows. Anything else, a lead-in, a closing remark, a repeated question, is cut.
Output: 10:36
